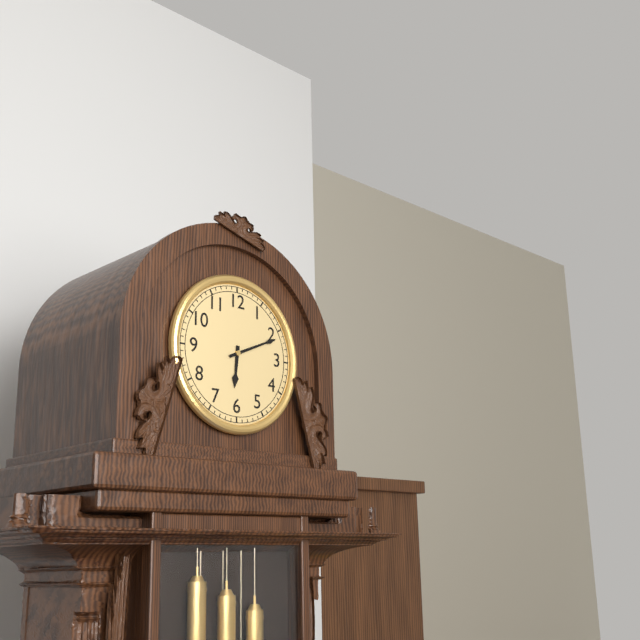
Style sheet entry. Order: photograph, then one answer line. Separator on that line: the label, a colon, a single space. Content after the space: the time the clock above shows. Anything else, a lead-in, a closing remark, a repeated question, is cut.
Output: 6:11
